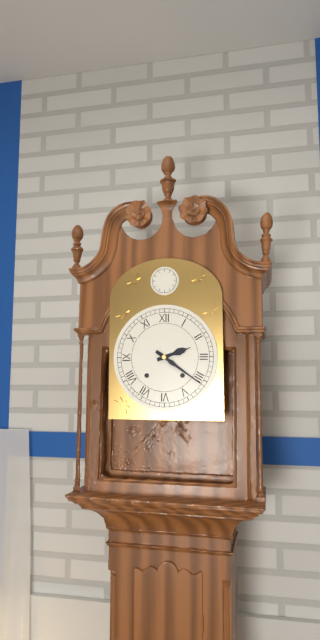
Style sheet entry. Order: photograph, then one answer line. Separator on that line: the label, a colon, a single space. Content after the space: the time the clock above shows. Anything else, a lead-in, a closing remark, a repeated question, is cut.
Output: 2:21
